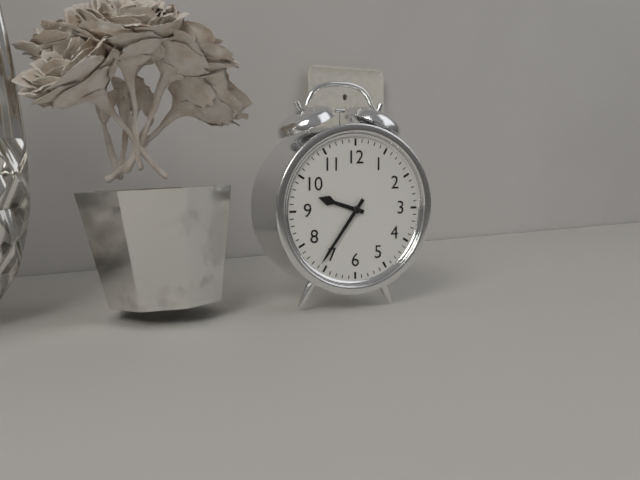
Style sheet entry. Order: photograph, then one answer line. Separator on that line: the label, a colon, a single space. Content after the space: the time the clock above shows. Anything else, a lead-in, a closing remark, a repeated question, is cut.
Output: 9:36
